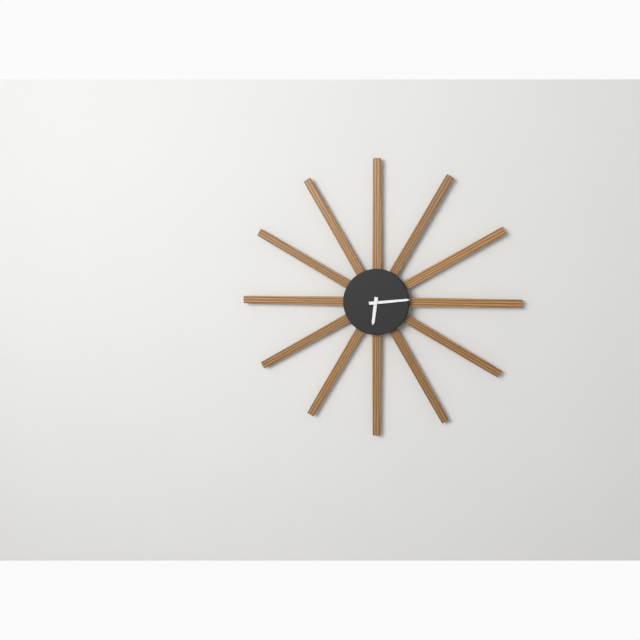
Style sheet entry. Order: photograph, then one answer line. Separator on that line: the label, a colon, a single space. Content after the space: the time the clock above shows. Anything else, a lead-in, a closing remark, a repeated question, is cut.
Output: 6:14
